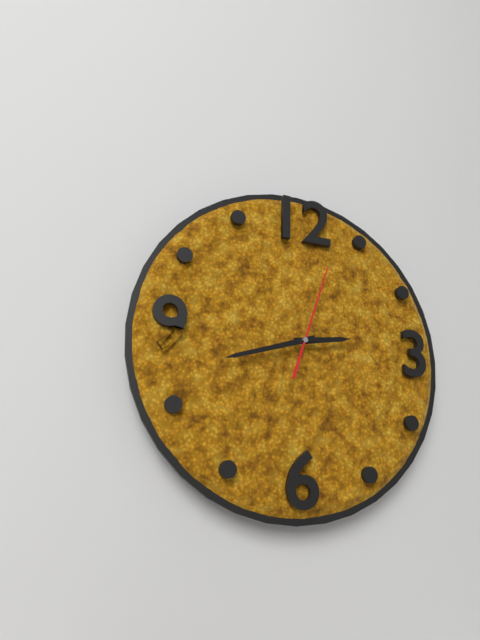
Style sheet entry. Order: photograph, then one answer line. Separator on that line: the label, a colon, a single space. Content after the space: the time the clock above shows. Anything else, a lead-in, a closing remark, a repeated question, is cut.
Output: 2:42:03
